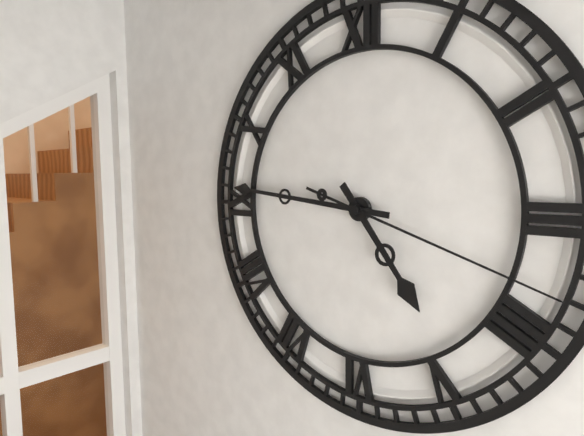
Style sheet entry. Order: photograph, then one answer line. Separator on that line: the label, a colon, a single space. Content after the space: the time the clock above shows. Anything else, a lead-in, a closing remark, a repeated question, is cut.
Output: 4:46:18
